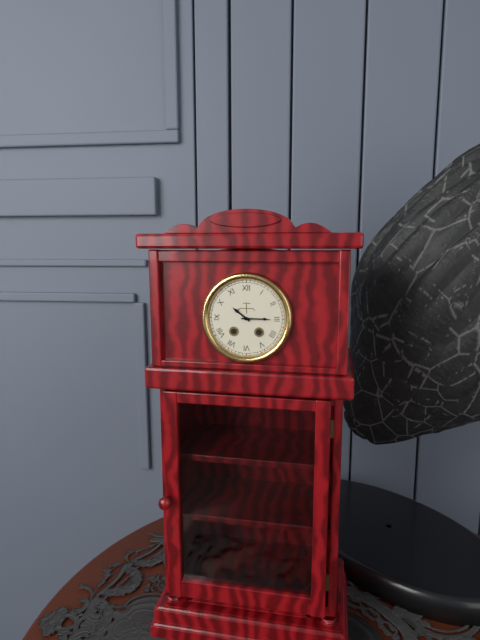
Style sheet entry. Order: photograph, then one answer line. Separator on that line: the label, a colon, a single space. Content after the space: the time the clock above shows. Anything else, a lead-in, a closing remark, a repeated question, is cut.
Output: 10:15
